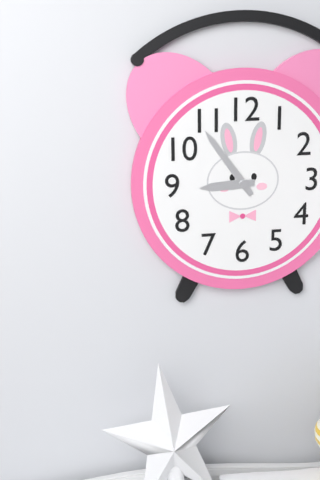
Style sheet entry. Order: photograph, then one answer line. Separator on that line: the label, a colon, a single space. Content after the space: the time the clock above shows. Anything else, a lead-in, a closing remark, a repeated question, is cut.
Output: 8:54
